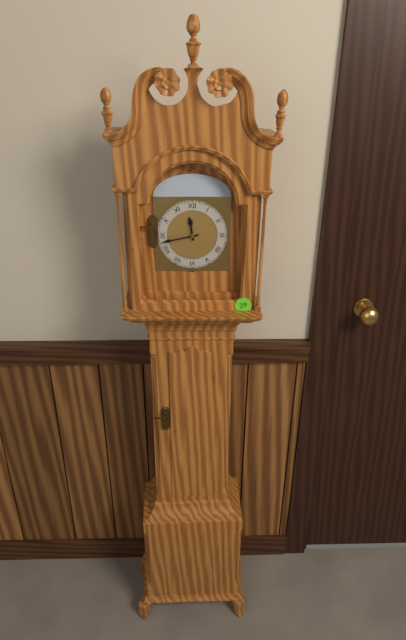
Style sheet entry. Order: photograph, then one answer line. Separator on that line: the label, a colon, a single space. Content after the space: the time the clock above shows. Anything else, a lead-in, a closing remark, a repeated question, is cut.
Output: 11:43
